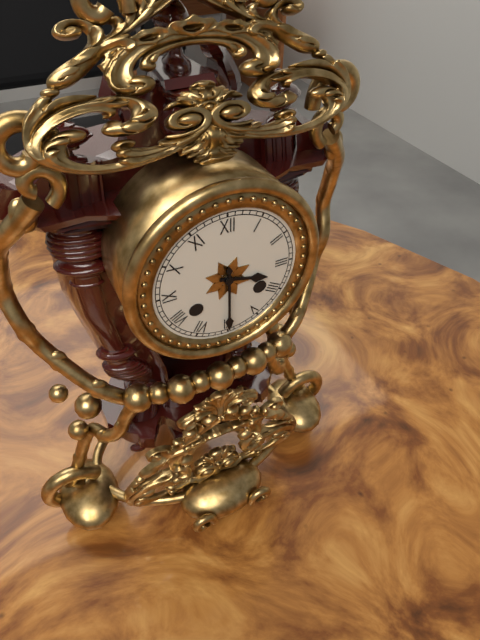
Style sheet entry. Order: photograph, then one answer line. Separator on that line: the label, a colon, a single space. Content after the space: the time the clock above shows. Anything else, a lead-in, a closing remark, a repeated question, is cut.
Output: 3:30
